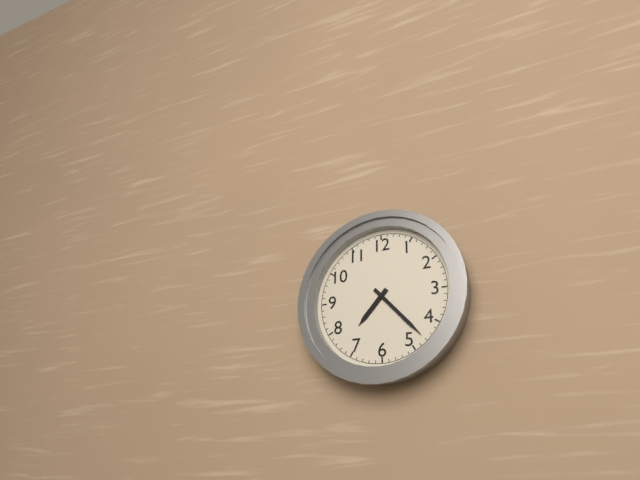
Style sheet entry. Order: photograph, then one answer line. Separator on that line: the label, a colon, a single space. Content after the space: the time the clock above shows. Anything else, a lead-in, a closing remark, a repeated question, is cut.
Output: 7:23
